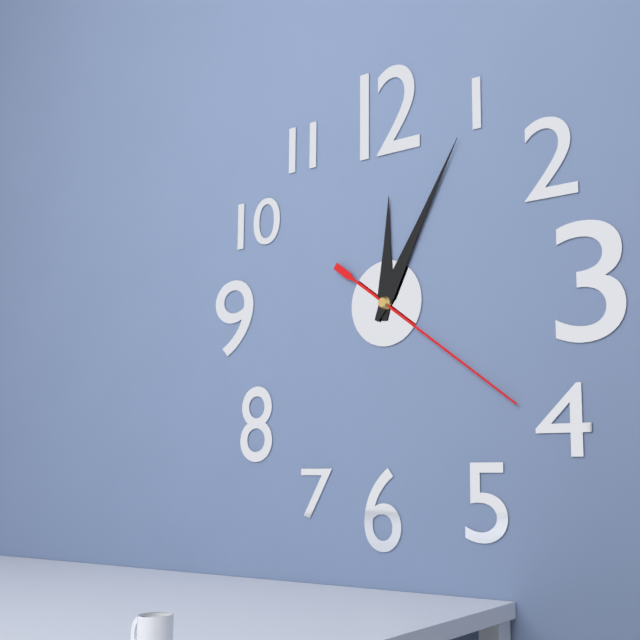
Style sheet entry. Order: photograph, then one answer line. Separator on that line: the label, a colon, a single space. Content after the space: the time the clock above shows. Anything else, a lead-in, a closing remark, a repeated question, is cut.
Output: 12:05:21
